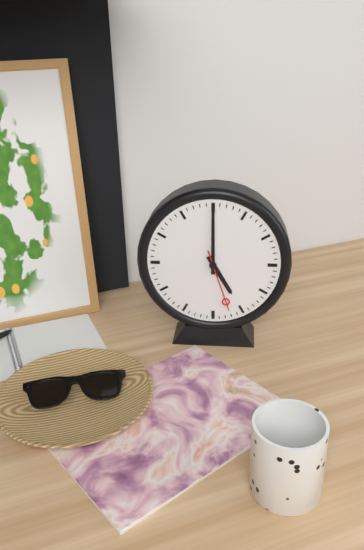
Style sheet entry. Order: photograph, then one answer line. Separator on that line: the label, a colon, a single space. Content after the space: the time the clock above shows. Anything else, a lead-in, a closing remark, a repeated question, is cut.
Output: 5:00:27
